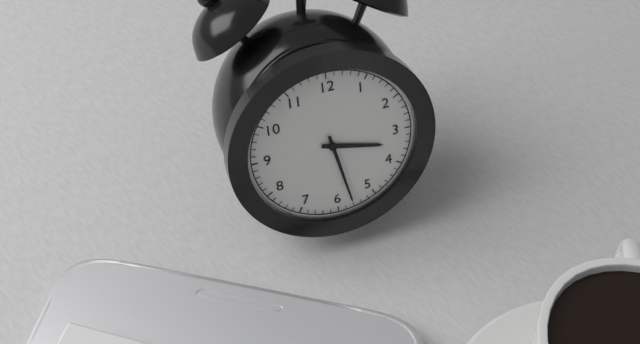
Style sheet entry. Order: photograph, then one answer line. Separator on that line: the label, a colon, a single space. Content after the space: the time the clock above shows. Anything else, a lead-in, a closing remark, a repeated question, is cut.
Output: 3:28
